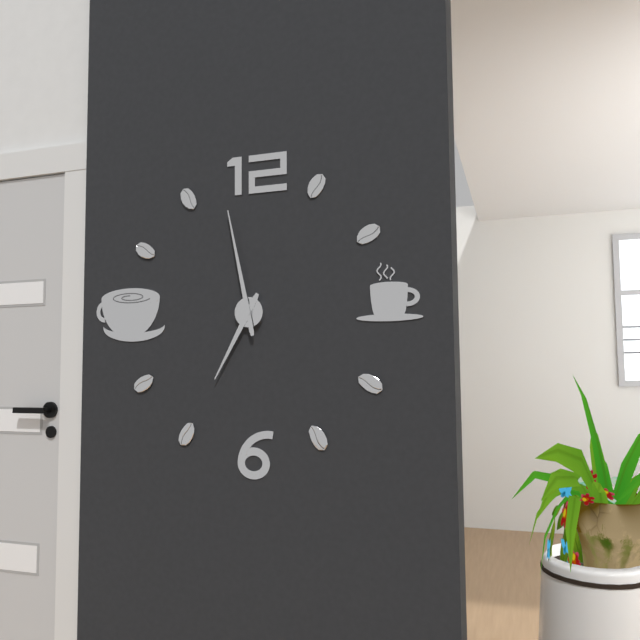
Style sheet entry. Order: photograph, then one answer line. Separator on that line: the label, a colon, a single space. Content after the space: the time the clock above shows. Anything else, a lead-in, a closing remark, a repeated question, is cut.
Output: 6:58
